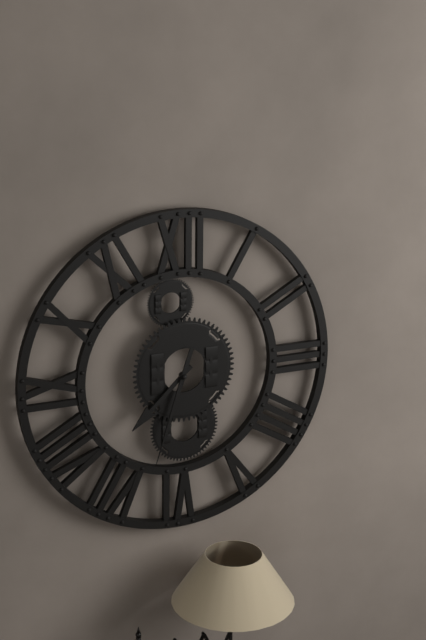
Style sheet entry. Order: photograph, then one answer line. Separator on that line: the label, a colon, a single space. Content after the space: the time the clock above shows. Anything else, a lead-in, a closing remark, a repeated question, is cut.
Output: 7:33
